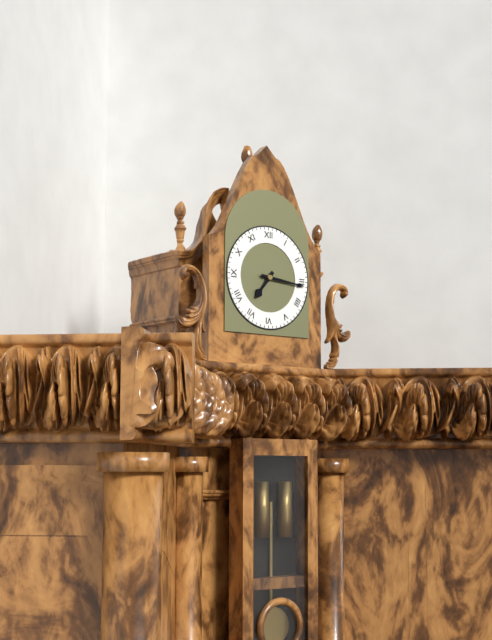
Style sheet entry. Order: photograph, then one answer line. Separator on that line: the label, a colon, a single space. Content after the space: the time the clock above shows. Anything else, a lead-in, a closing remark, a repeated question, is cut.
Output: 7:16
